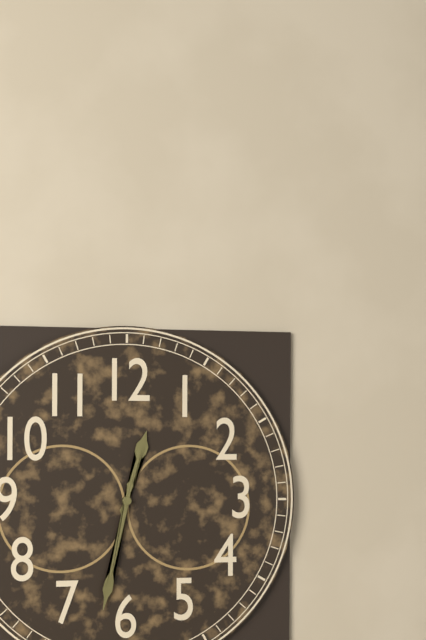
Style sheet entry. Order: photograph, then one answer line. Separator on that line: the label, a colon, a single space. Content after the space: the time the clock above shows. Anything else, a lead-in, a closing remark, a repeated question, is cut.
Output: 12:32
